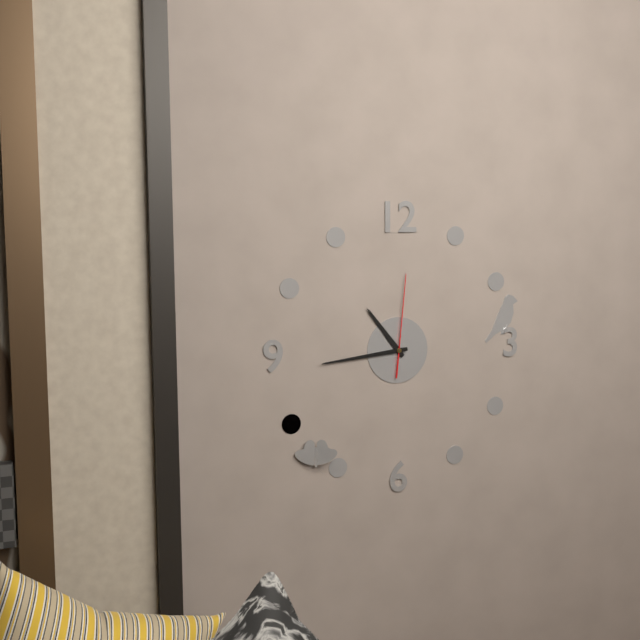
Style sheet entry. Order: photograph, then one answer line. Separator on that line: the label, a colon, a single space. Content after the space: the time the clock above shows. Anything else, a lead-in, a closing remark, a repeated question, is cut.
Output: 10:44:01
